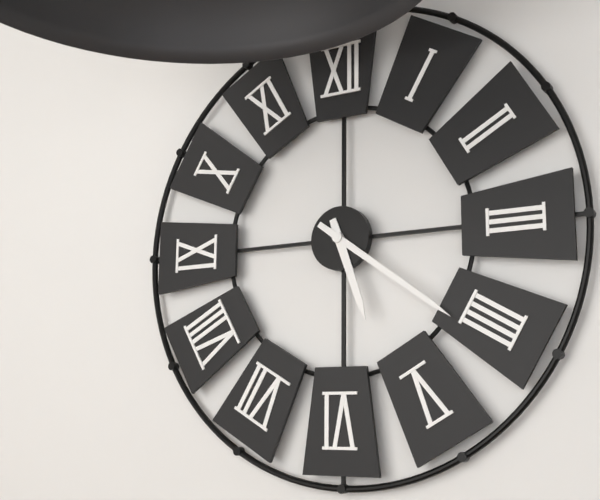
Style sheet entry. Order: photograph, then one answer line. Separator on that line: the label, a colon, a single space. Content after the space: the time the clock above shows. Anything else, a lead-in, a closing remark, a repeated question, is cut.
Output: 5:21
